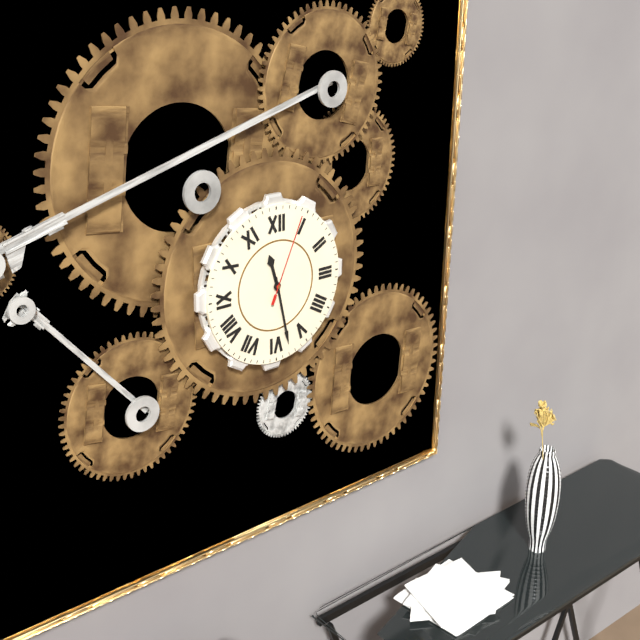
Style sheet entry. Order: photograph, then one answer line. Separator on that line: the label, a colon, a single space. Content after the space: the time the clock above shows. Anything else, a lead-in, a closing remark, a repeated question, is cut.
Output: 11:28:04
